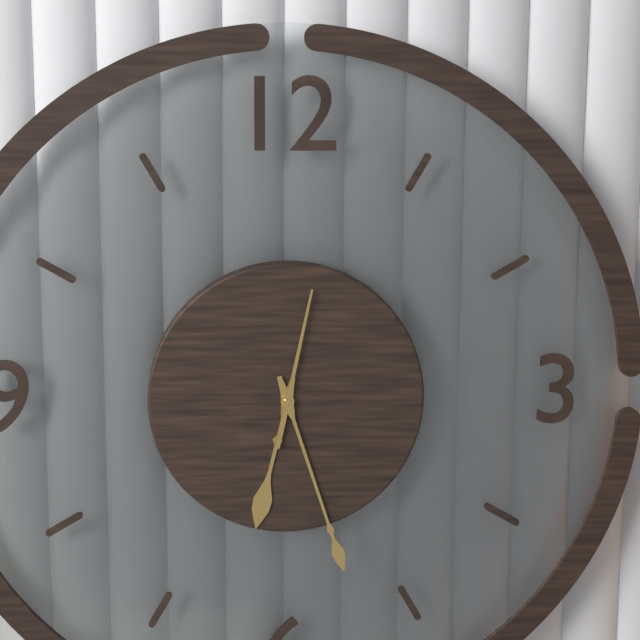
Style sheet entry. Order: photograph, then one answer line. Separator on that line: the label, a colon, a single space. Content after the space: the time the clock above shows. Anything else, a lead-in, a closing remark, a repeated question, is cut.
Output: 6:27:02
